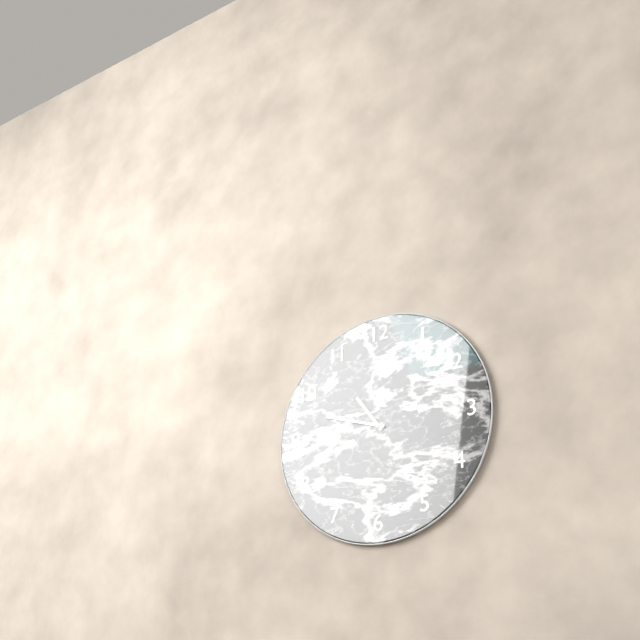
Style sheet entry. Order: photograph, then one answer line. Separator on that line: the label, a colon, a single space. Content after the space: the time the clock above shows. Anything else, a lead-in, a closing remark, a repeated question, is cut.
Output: 10:48
